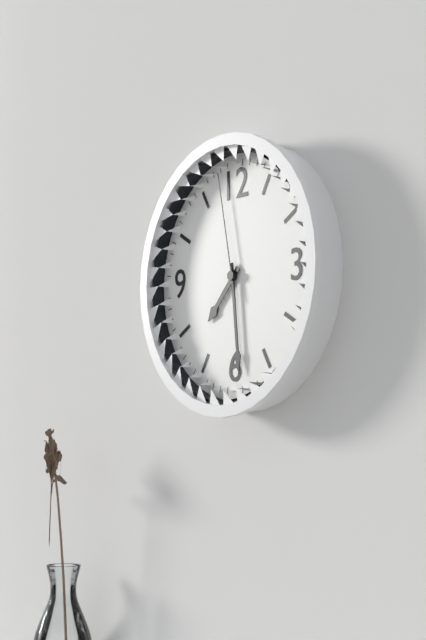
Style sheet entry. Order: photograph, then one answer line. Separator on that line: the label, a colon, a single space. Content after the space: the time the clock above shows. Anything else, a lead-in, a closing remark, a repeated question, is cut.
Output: 7:29:58
